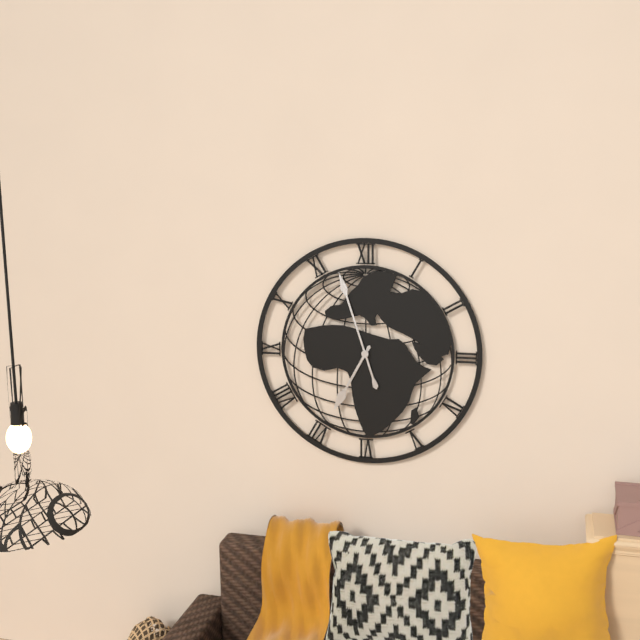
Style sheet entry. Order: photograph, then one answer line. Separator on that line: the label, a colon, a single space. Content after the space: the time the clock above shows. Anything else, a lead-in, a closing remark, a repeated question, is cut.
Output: 6:57
